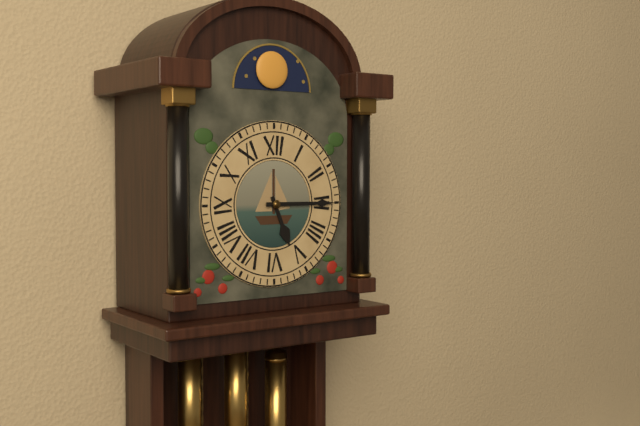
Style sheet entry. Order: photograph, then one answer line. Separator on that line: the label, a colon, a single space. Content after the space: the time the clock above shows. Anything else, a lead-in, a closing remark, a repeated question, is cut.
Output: 5:15
